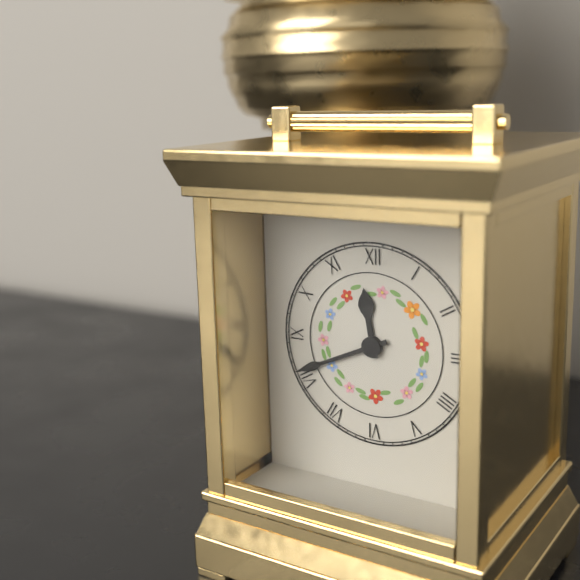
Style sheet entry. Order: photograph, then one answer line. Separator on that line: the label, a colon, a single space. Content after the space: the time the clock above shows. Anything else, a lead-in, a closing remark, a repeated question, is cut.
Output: 11:41
